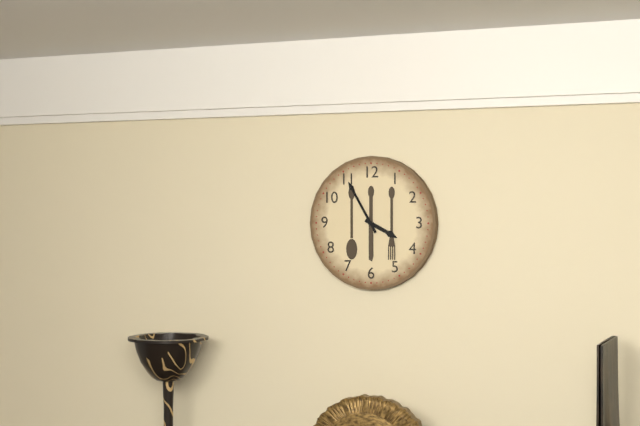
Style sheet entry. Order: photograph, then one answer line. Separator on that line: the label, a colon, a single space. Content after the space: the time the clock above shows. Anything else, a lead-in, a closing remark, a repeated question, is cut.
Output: 3:55
